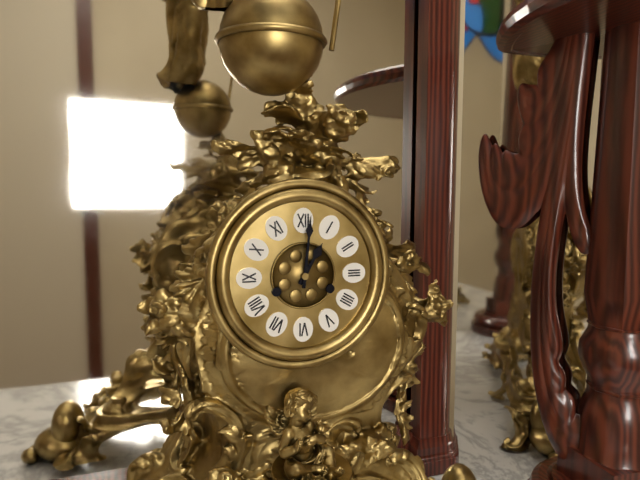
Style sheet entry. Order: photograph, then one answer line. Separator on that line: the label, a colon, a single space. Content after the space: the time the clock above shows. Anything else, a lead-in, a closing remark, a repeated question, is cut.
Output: 1:01
